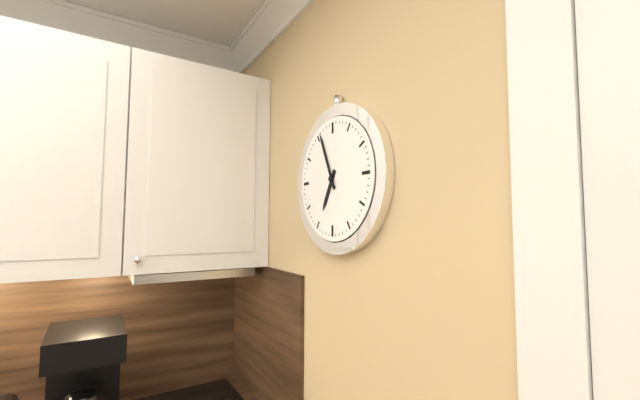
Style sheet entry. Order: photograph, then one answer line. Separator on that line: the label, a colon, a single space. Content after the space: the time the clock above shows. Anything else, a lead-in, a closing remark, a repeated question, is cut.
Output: 6:56
